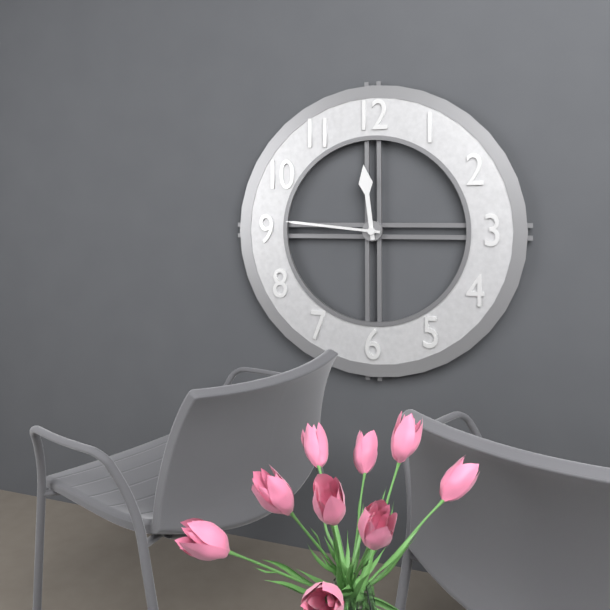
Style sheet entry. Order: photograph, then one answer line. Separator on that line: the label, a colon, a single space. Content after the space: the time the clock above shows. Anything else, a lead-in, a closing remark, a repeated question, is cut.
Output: 11:46
